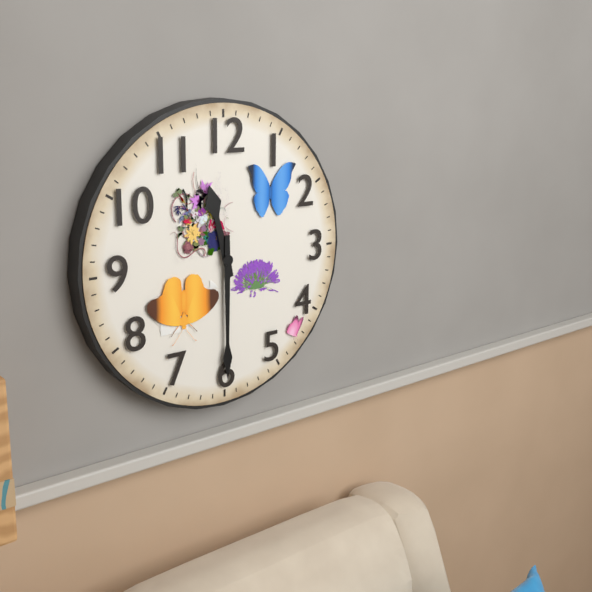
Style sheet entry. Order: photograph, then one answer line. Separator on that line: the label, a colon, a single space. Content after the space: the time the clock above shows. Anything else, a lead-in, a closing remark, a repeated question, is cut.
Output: 11:30
